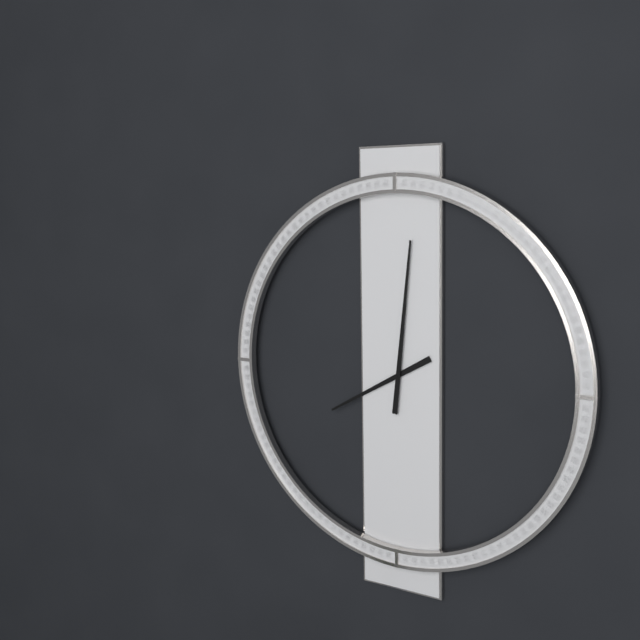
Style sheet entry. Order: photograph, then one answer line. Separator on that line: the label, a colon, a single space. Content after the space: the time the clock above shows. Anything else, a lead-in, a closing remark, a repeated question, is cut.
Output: 8:01
